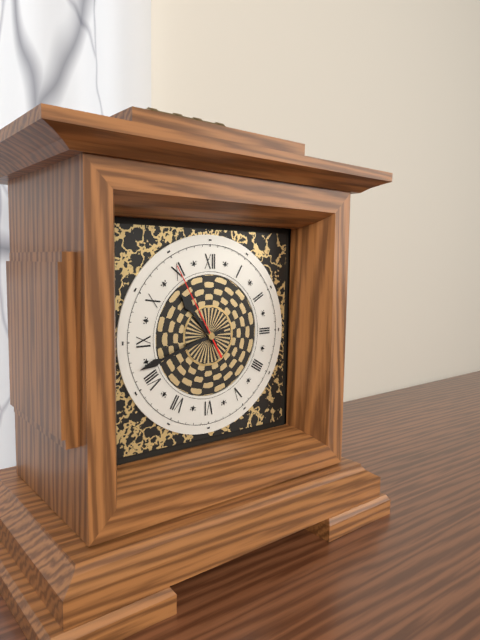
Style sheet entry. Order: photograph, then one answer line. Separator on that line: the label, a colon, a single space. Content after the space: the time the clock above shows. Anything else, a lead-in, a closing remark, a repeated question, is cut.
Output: 10:42:55
